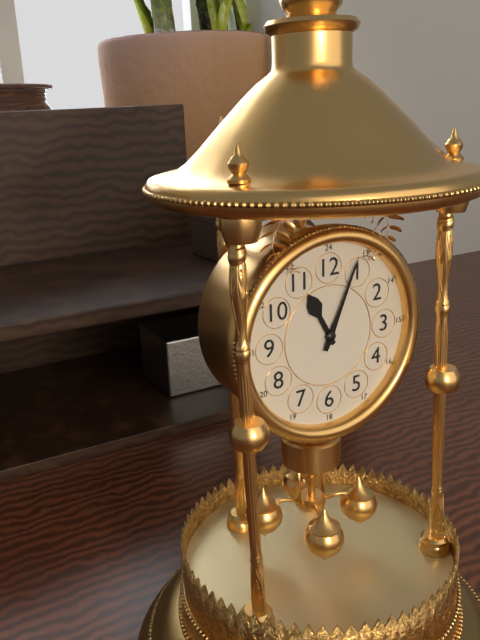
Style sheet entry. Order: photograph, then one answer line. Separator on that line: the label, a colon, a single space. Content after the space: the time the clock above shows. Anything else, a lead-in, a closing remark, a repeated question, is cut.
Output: 11:04
